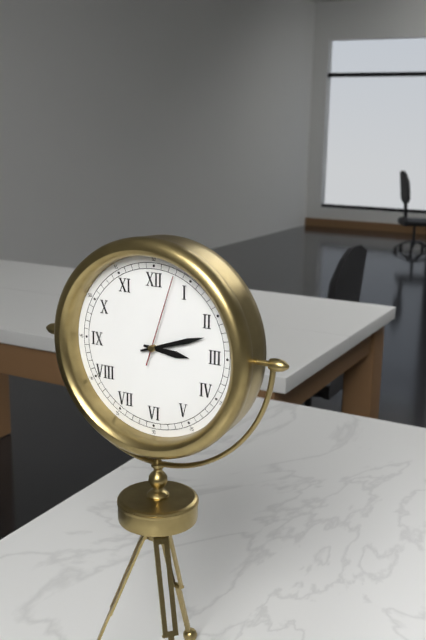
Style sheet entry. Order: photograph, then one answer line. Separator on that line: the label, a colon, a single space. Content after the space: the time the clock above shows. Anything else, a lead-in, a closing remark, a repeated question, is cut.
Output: 3:12:03
